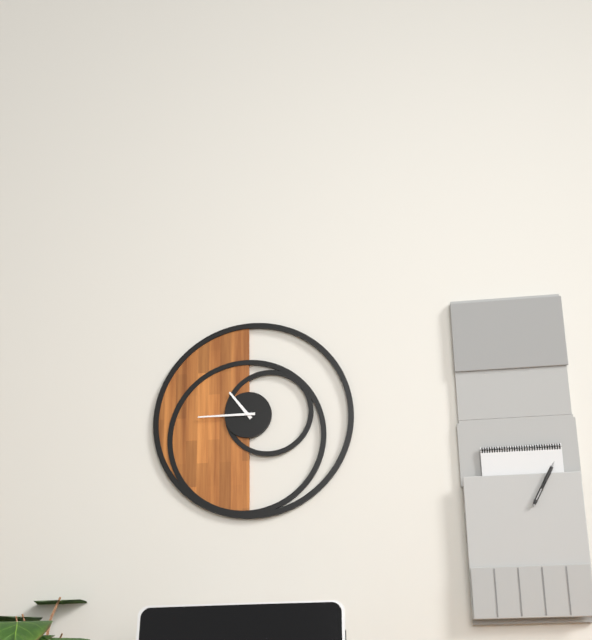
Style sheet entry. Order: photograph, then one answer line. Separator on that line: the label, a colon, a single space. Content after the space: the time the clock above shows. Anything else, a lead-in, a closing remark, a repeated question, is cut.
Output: 10:45
